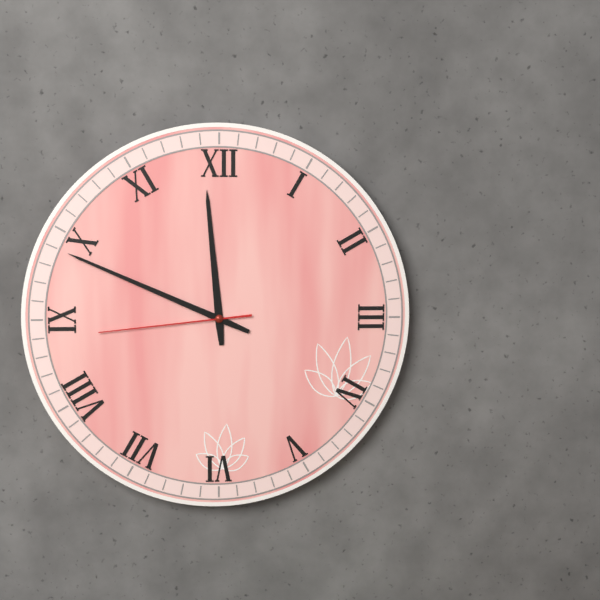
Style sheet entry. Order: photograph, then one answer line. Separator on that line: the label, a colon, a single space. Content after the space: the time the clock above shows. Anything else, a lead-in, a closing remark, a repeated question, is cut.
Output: 11:49:44
